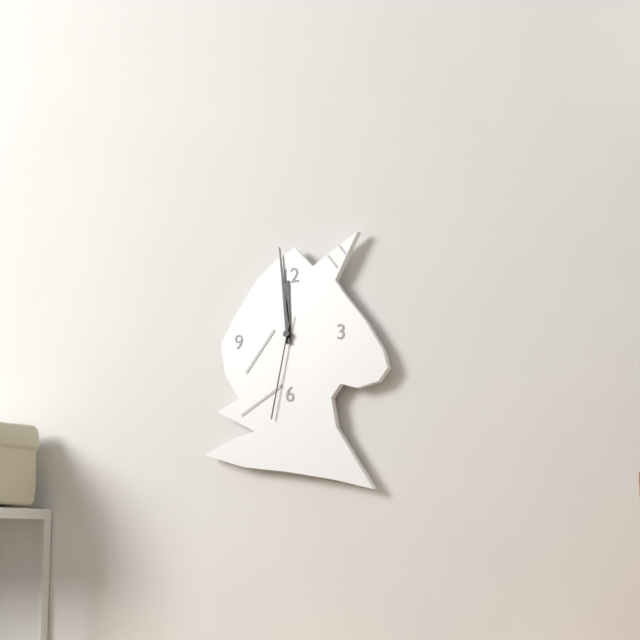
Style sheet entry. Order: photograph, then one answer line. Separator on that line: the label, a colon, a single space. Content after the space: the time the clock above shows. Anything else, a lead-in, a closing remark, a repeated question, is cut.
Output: 11:59:32
